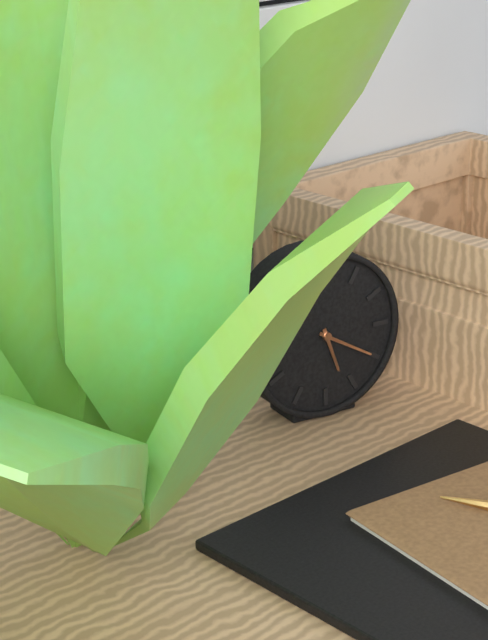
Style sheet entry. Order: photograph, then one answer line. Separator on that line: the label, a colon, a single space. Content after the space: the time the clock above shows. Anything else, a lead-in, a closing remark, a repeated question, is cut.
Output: 5:20
